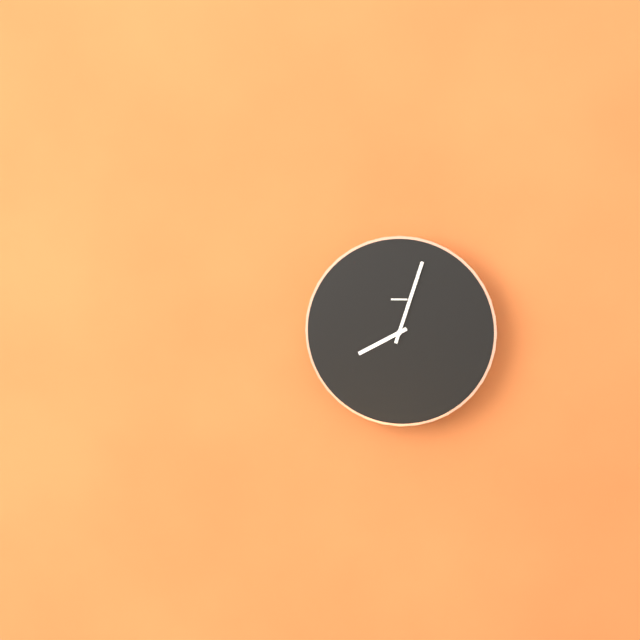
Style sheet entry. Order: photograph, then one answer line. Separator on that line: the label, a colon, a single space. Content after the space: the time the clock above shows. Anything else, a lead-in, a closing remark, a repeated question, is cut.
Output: 8:03
